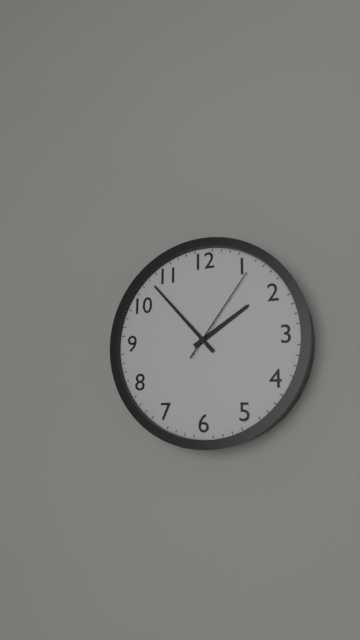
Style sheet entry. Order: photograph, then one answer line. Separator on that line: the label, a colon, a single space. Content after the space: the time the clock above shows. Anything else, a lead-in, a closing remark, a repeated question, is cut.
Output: 1:53:06
